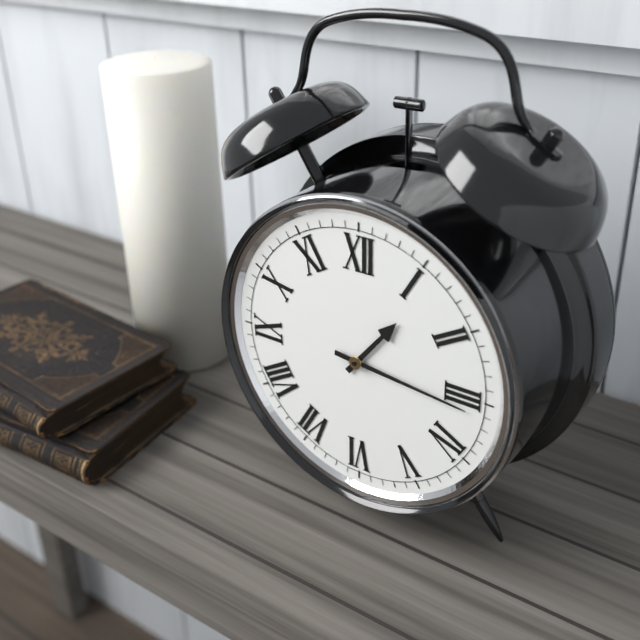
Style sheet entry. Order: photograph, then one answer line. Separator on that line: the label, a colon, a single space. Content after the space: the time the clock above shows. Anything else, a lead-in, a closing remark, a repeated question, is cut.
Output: 1:16
